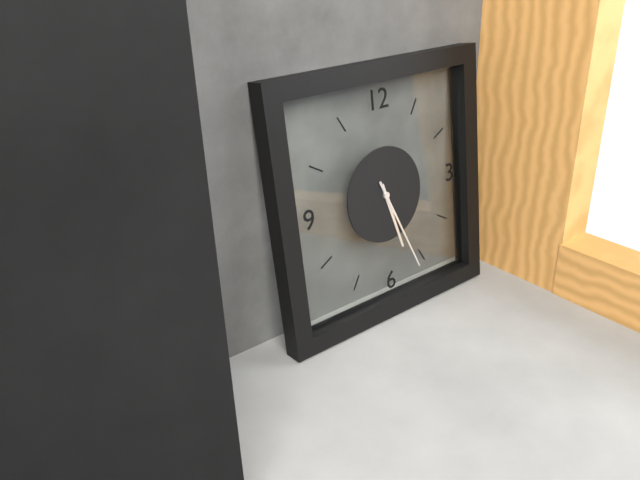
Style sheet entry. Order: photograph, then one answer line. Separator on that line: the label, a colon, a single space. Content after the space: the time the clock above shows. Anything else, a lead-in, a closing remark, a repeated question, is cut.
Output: 5:26
